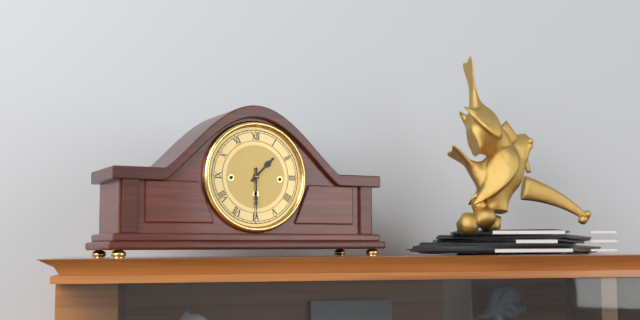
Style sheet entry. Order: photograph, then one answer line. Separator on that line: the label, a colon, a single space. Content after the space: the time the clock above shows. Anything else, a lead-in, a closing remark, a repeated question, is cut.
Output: 1:30
